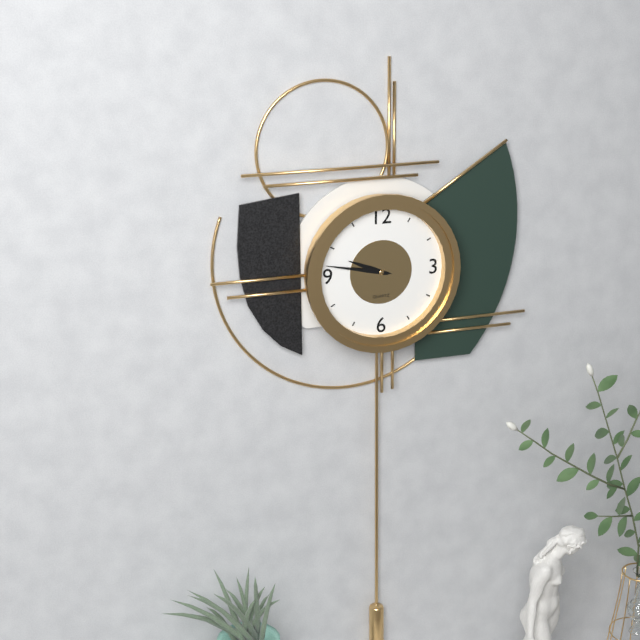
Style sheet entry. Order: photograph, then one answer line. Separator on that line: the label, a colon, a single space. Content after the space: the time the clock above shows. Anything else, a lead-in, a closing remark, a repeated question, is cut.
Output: 9:47
